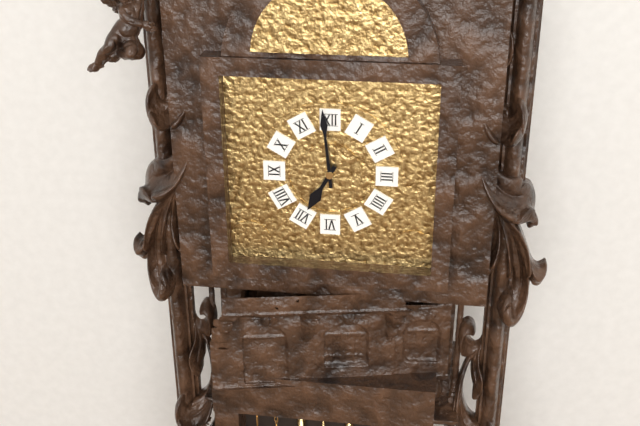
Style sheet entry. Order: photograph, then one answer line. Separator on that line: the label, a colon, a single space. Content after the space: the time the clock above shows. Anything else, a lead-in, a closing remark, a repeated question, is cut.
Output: 6:59
